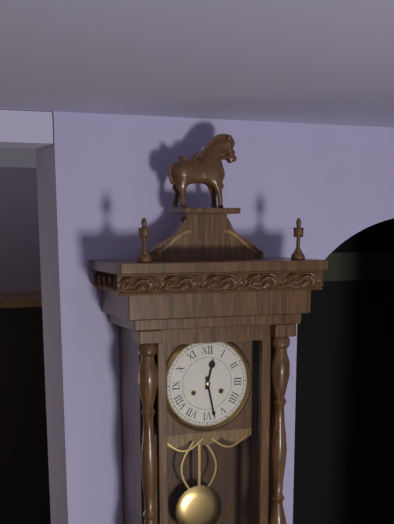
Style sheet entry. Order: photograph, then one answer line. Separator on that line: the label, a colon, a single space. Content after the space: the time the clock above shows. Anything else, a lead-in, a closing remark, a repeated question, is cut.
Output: 12:28
